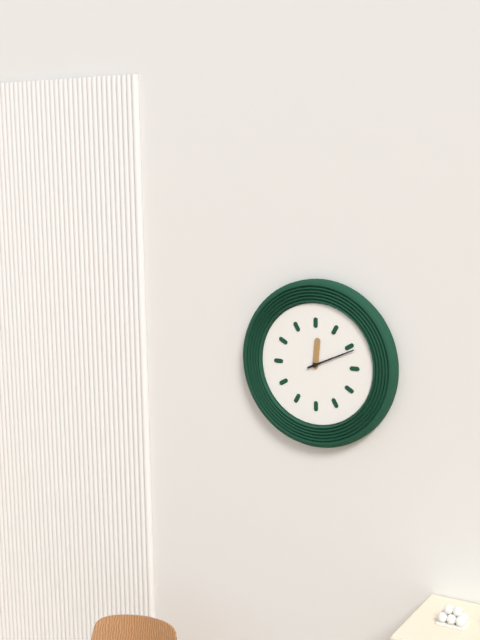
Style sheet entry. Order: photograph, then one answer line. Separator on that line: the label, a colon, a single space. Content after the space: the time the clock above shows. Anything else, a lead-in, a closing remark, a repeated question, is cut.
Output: 12:11
